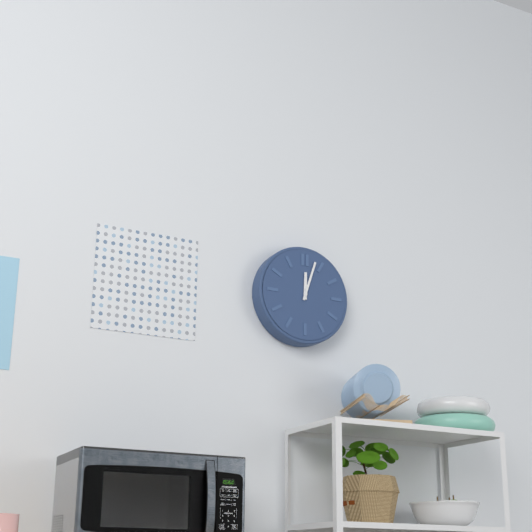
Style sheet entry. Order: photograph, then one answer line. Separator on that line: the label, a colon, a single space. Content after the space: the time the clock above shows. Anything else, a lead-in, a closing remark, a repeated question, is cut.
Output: 12:03
